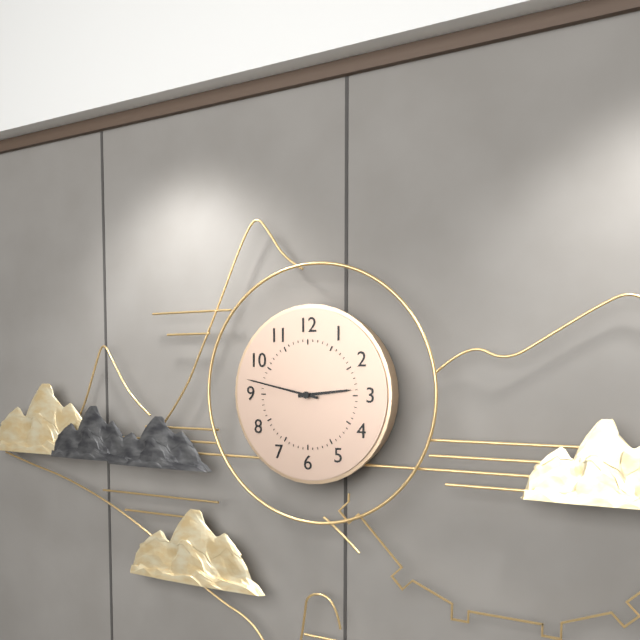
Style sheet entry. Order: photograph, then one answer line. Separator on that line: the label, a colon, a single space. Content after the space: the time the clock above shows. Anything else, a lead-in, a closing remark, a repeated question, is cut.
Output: 2:47
